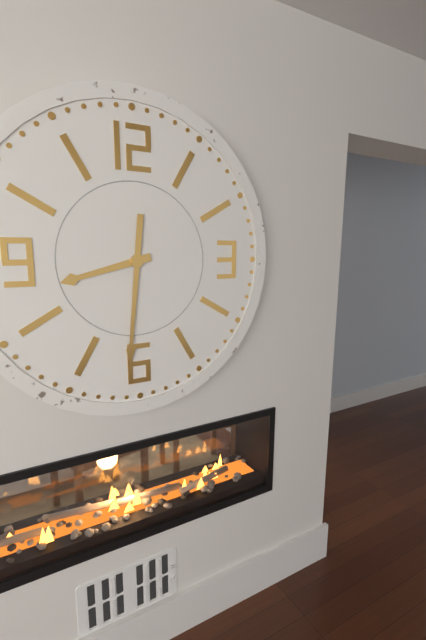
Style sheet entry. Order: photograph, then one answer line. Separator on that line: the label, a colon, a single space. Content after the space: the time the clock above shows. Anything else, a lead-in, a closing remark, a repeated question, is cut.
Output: 8:31
